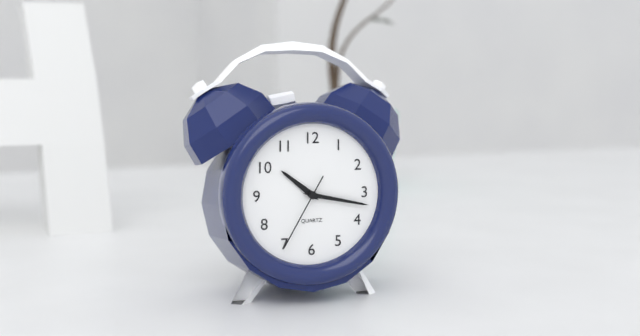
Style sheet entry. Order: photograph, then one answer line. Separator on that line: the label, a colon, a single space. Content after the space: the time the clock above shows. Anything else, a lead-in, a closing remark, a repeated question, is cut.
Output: 10:17:35
